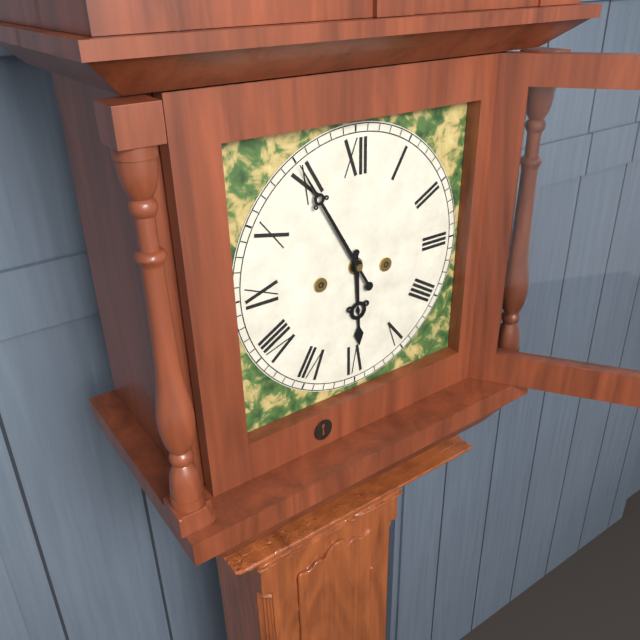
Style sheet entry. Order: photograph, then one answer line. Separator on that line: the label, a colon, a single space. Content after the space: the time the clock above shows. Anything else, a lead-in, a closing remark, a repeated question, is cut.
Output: 5:55
